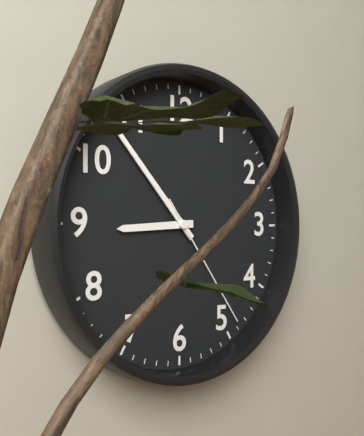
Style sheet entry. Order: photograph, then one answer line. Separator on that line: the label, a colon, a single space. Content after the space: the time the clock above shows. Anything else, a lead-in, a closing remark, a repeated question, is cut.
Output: 8:53:24
